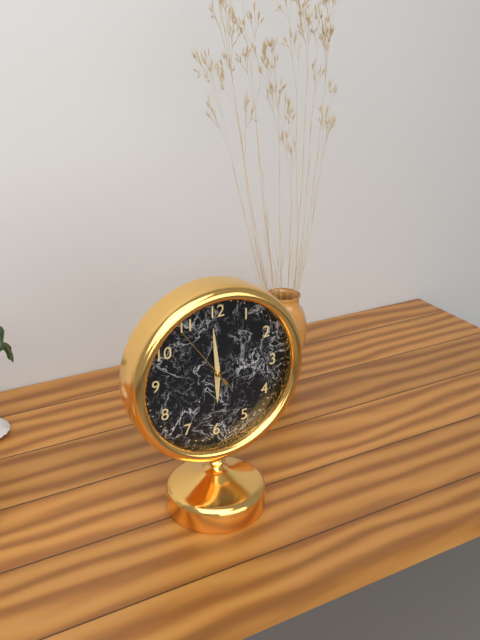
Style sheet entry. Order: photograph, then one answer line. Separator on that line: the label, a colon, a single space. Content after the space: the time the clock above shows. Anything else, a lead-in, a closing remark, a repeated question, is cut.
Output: 5:59:54
